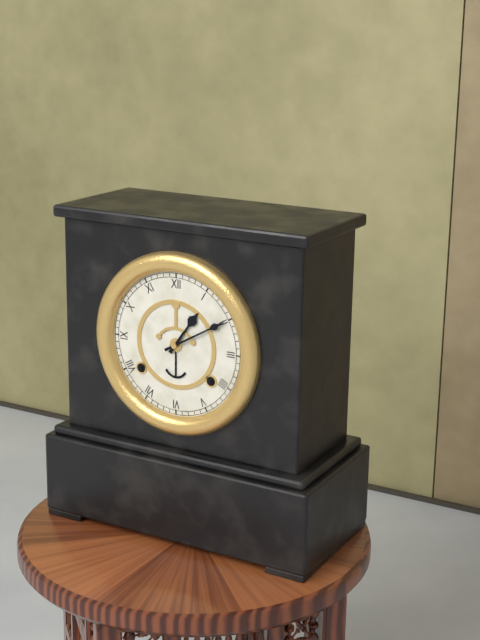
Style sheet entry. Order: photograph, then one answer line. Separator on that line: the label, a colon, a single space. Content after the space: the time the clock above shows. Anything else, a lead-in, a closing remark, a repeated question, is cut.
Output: 1:10
